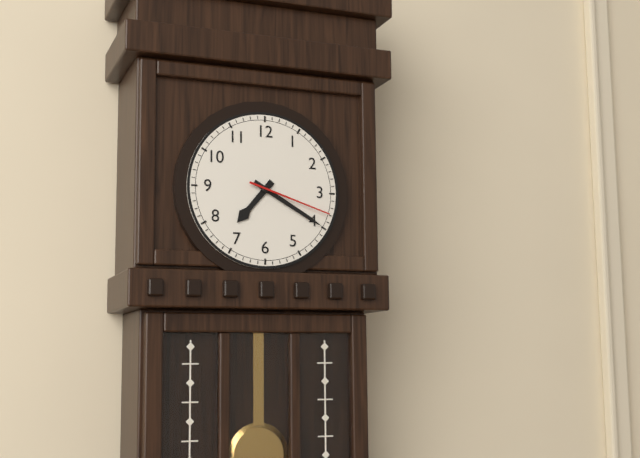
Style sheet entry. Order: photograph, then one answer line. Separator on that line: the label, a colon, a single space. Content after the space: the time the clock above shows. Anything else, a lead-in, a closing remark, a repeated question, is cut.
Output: 7:20:18
